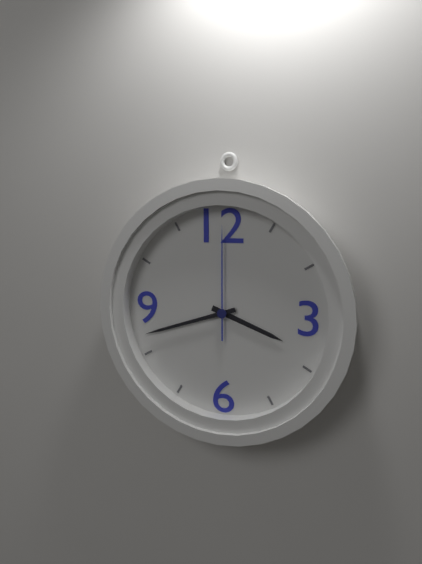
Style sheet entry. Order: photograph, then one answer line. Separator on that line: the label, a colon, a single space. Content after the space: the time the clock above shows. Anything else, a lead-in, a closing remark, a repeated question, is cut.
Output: 3:42:00
